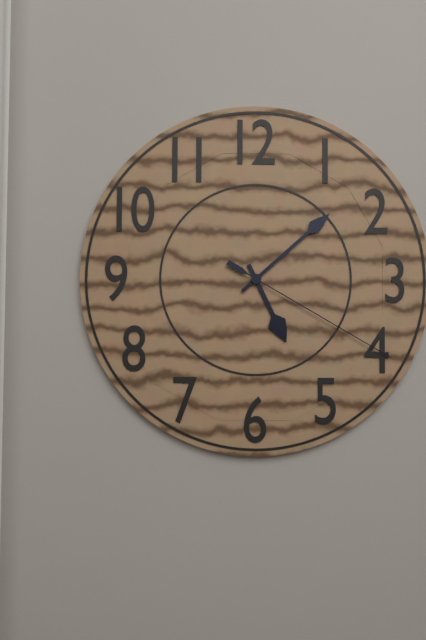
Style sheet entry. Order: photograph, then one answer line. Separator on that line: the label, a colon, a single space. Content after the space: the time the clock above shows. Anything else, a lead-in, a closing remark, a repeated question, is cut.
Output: 5:08:20
